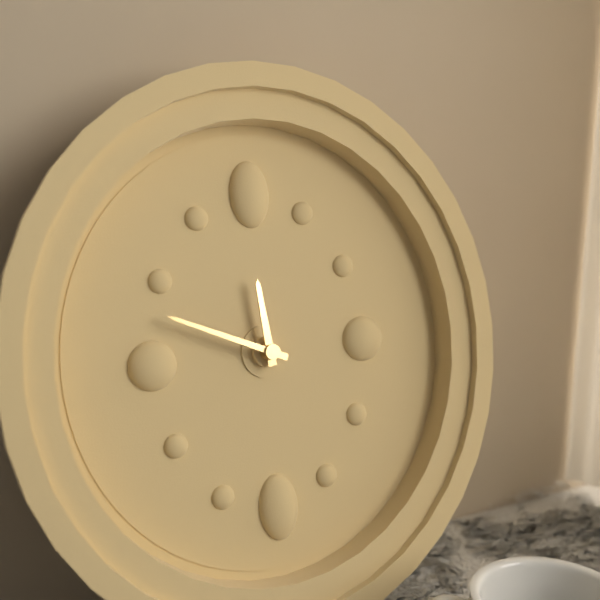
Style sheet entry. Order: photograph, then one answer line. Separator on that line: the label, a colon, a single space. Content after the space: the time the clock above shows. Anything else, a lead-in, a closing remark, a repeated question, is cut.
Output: 11:49
